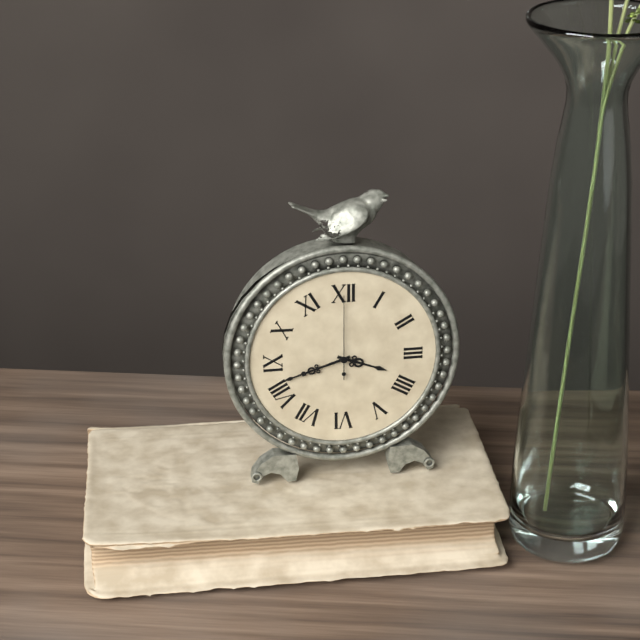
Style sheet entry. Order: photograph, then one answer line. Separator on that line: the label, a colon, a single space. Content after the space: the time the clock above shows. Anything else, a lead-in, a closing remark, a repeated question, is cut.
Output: 3:42:00
